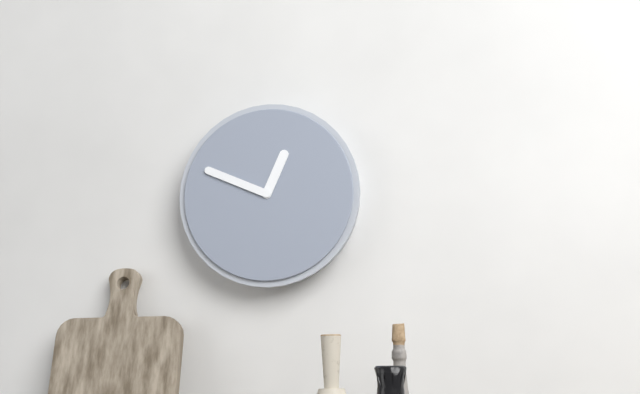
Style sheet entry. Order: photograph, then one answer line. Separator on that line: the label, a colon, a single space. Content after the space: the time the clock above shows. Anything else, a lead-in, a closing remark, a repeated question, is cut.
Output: 12:49
